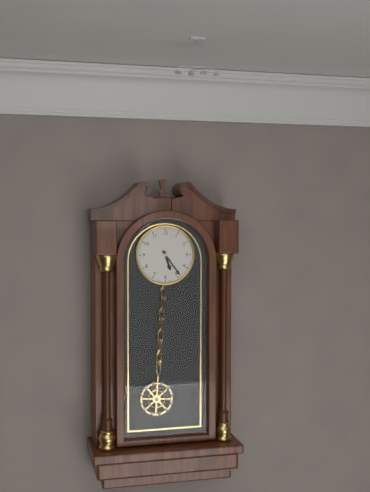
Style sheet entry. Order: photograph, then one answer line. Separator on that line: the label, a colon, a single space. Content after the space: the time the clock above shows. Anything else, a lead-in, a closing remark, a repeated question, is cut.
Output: 5:24
